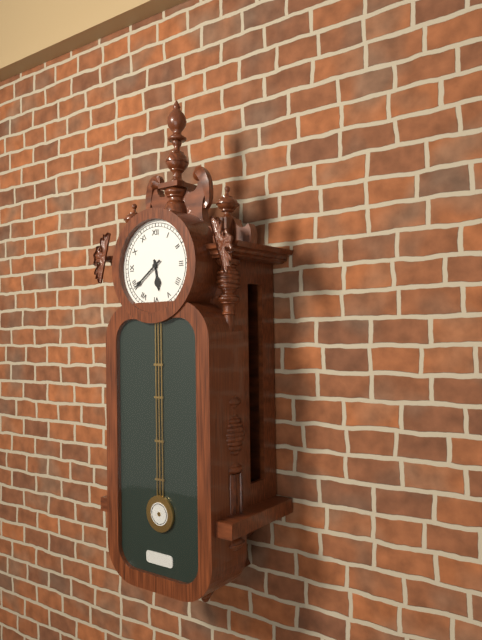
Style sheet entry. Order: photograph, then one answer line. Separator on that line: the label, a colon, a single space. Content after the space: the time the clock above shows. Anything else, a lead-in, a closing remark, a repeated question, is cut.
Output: 5:39
